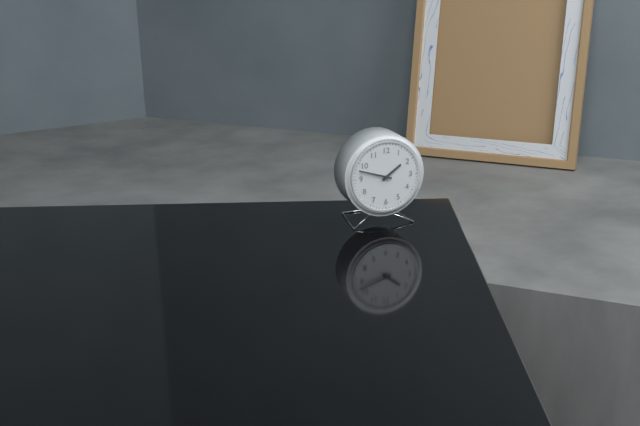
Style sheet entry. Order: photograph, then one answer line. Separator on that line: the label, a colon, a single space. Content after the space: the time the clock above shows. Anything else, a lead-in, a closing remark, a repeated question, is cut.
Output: 1:48
